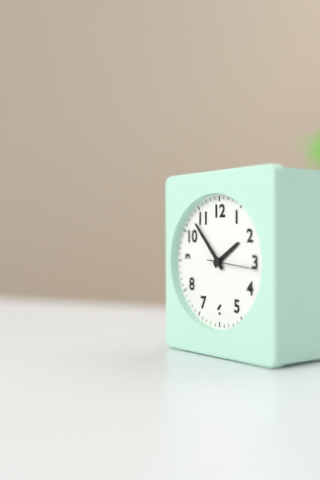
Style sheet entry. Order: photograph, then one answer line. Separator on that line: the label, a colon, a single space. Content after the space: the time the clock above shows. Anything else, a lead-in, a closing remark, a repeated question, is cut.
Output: 1:53:16
